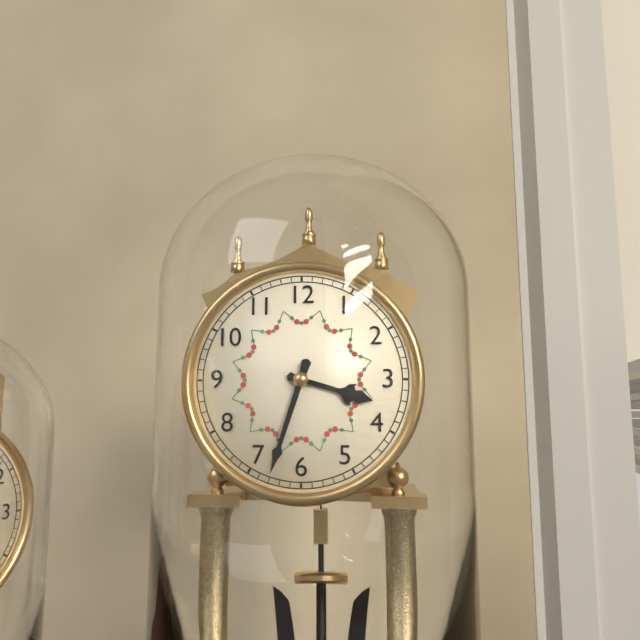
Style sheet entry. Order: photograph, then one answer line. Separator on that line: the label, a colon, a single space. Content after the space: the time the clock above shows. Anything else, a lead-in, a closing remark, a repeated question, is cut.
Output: 3:33
